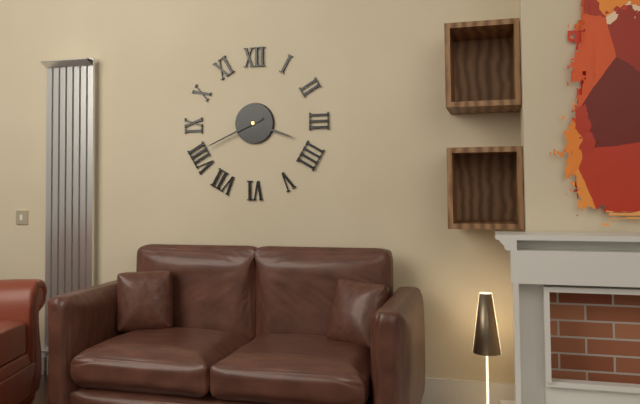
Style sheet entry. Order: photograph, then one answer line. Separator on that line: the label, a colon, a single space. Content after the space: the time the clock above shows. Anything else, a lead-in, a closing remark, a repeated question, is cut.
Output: 3:41
